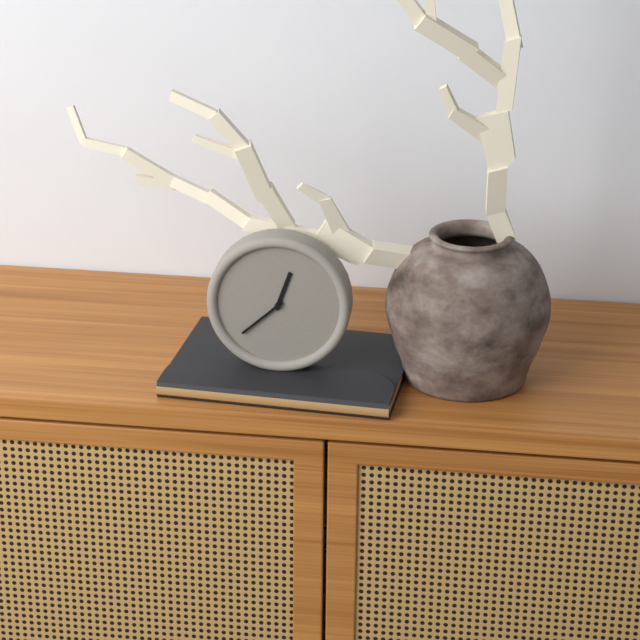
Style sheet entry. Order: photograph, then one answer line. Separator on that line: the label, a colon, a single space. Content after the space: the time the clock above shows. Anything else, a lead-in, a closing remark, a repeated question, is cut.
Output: 12:38
